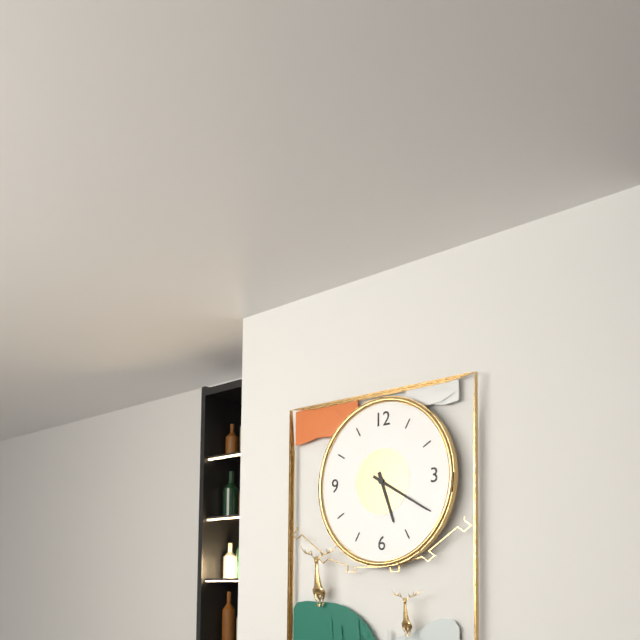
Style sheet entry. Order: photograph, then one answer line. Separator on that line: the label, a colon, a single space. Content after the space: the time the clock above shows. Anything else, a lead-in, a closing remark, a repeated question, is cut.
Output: 5:20
